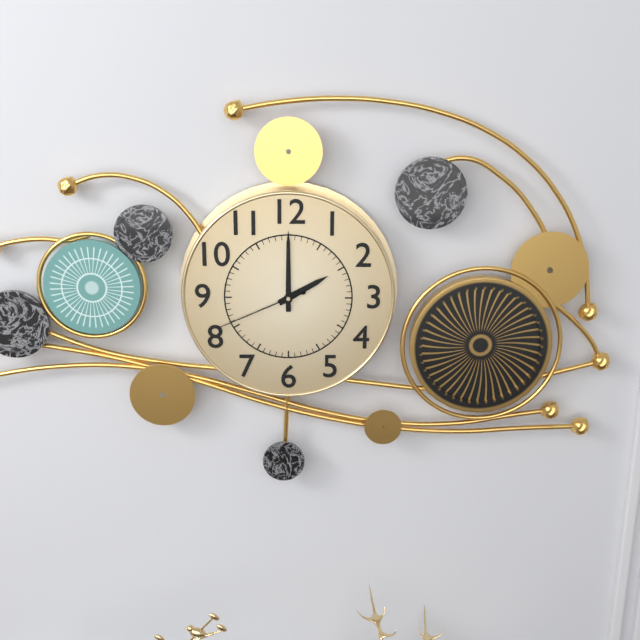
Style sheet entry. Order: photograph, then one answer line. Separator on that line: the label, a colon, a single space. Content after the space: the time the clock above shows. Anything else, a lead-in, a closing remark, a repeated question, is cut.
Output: 2:00:41
